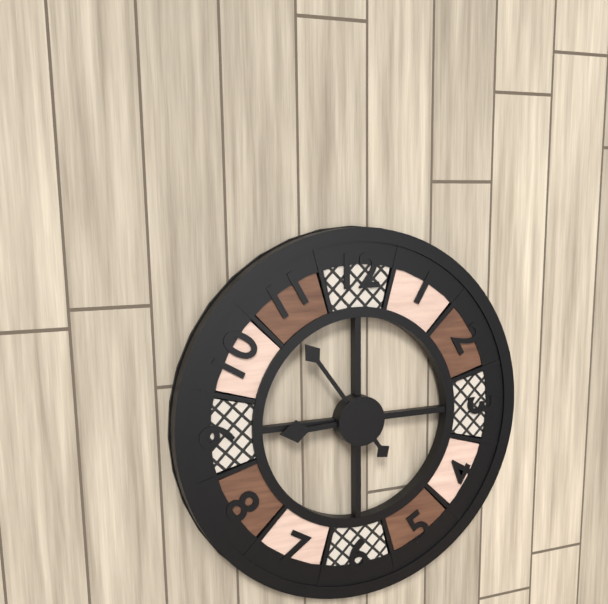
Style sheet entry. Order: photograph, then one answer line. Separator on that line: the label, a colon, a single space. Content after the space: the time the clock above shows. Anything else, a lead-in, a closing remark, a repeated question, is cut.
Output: 8:54
